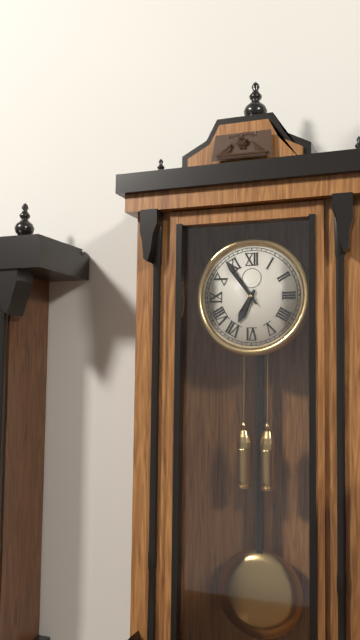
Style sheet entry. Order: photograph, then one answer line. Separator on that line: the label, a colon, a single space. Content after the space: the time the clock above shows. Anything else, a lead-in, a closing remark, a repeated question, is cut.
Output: 6:54
